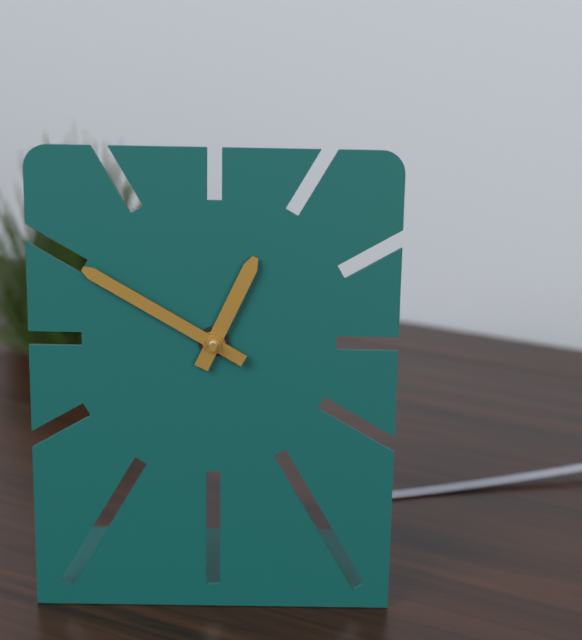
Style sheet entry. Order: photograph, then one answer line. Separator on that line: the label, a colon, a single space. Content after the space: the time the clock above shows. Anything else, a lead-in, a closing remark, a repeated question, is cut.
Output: 12:50
